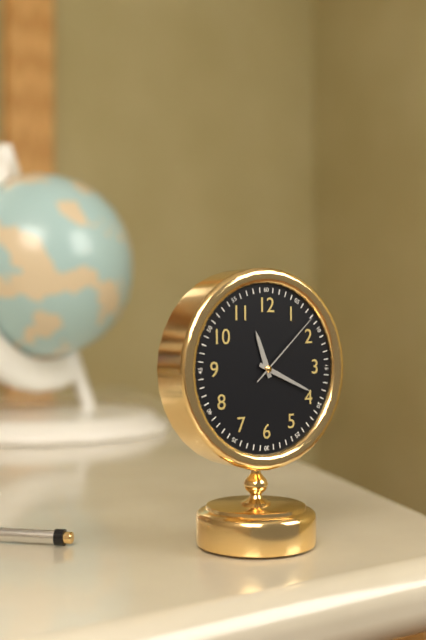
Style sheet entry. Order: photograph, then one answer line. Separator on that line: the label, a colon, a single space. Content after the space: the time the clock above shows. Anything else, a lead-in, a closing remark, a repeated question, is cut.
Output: 11:19:08
